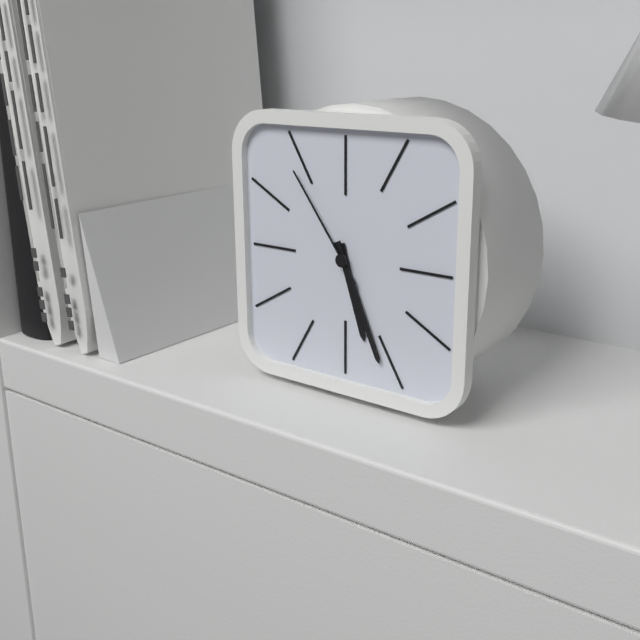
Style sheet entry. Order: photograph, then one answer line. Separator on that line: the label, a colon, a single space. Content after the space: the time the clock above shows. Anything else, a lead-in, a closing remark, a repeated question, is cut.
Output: 5:26:54
